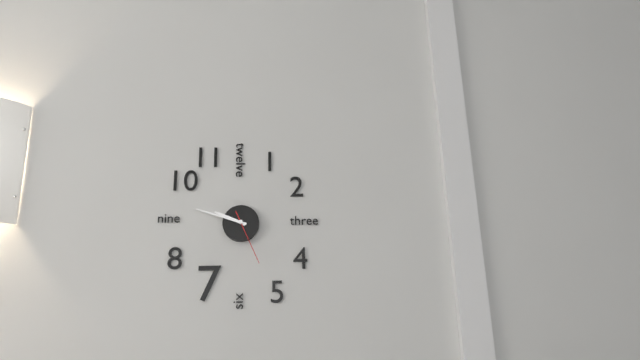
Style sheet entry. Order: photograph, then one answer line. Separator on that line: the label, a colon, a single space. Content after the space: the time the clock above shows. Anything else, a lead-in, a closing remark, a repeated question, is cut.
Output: 9:48:26
